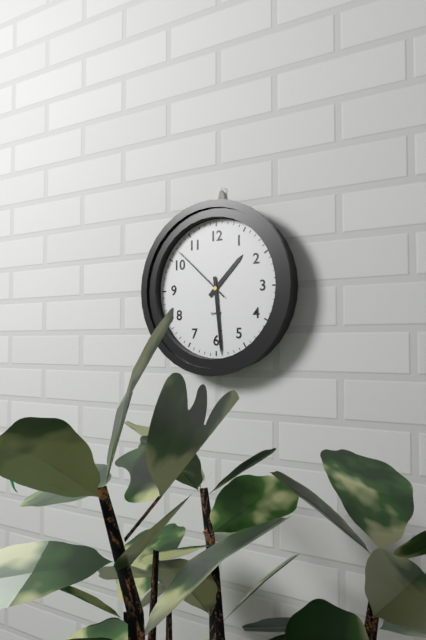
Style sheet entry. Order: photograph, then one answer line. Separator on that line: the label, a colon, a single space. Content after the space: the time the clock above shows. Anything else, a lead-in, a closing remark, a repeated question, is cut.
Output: 1:29:52
